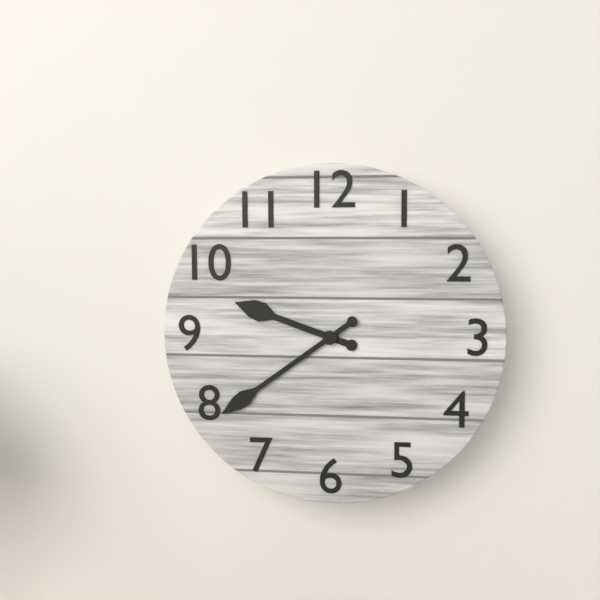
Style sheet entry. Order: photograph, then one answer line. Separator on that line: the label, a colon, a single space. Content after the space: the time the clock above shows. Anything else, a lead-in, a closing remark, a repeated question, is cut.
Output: 9:39
